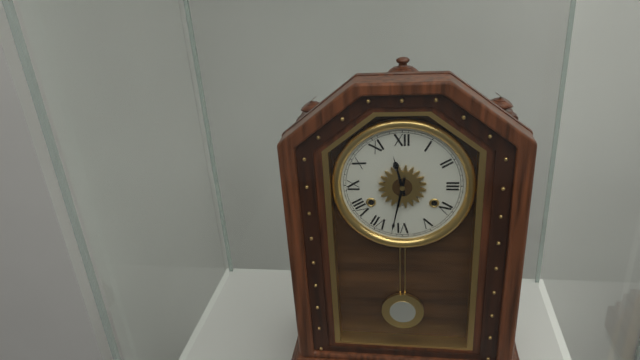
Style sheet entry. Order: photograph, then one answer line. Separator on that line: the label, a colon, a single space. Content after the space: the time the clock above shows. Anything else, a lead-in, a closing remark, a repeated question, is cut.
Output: 11:32
